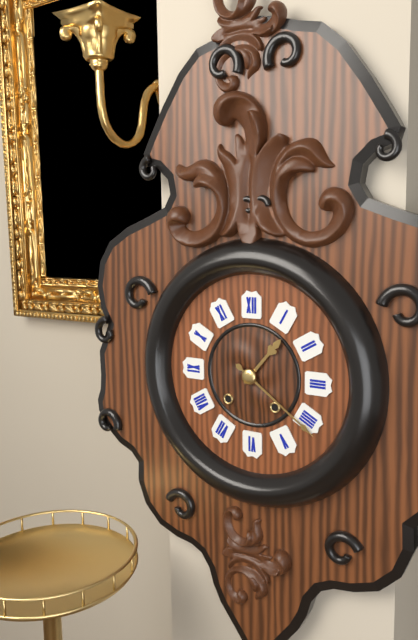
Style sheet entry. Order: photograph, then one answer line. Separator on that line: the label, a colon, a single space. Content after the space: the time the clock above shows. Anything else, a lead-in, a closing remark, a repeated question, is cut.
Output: 1:21
